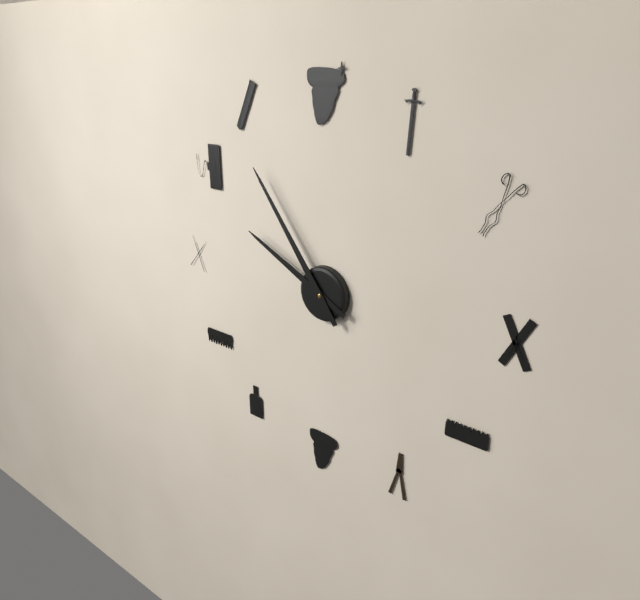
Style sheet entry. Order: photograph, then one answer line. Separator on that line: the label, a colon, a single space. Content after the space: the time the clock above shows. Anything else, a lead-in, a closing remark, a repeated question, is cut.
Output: 9:54
